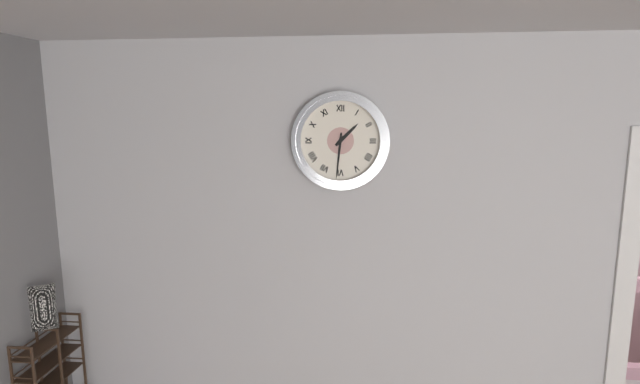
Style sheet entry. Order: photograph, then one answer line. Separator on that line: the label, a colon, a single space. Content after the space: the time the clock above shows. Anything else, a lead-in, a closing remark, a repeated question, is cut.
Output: 1:31
